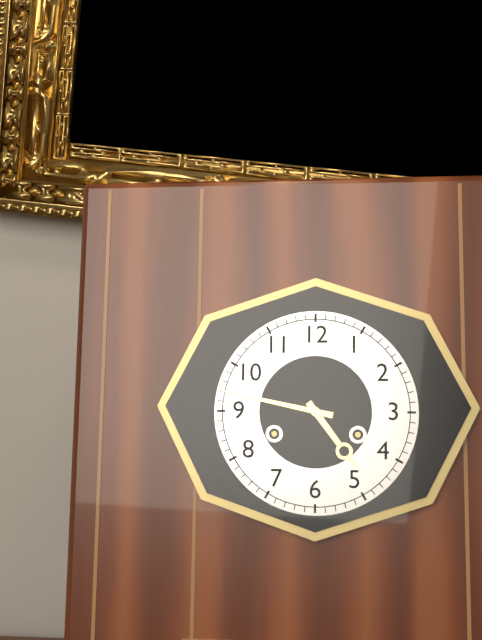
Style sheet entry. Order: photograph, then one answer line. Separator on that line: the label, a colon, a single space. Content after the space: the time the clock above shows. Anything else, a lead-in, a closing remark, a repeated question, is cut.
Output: 4:47
